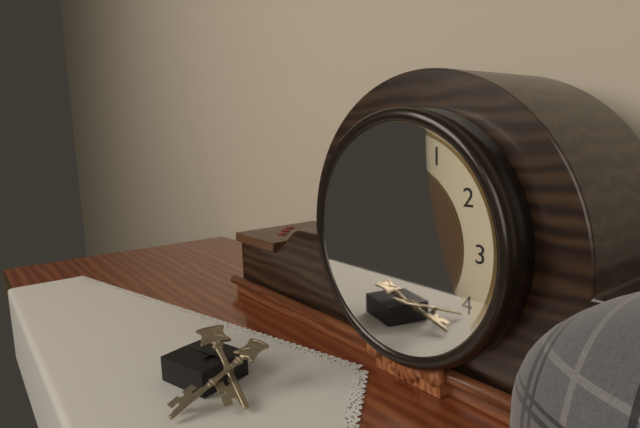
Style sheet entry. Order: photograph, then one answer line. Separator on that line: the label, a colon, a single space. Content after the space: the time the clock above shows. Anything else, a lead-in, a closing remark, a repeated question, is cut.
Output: 10:27
